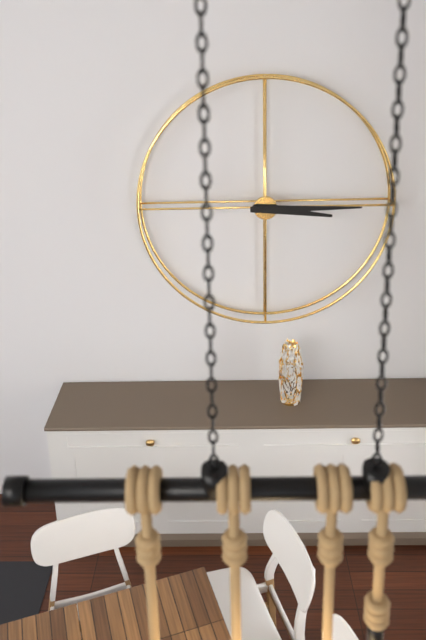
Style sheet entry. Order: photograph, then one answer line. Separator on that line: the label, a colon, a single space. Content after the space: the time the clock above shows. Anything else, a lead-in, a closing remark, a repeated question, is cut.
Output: 3:15
